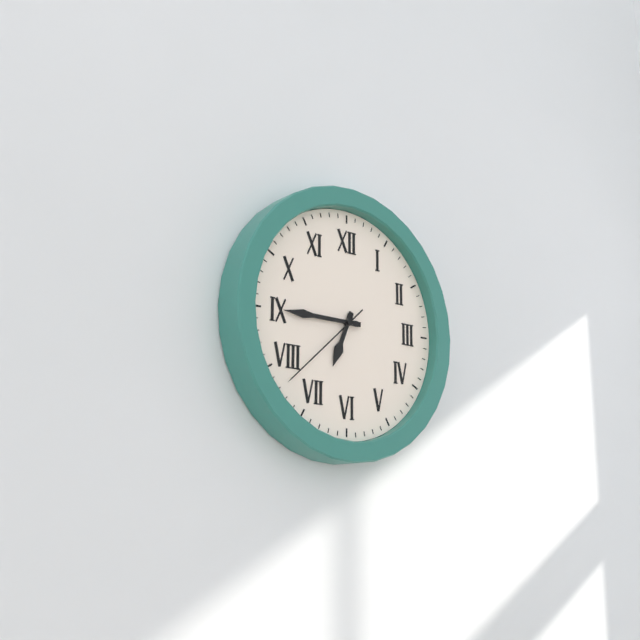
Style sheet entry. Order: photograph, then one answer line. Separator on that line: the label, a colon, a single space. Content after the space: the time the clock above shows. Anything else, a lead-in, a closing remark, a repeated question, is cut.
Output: 6:45:38
